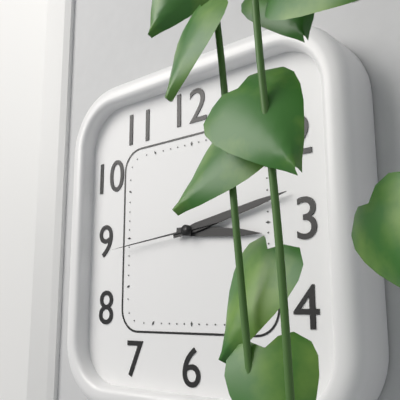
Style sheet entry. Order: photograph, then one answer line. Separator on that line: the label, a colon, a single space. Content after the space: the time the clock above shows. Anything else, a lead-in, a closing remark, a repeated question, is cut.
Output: 3:13:44
